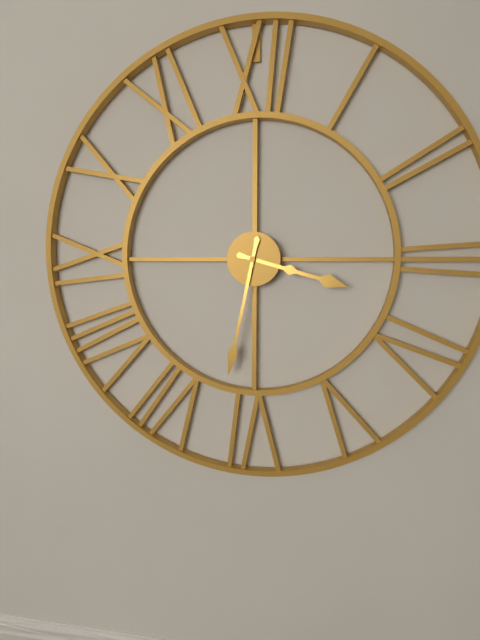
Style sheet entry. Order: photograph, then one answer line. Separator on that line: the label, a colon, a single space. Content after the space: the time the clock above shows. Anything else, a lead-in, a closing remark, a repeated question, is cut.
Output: 3:32
